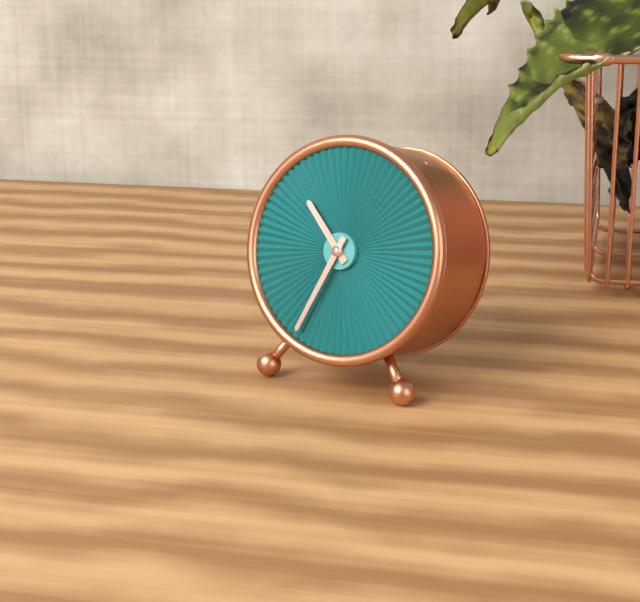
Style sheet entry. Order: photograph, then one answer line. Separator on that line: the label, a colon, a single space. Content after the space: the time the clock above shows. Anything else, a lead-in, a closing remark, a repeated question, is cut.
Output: 10:34
